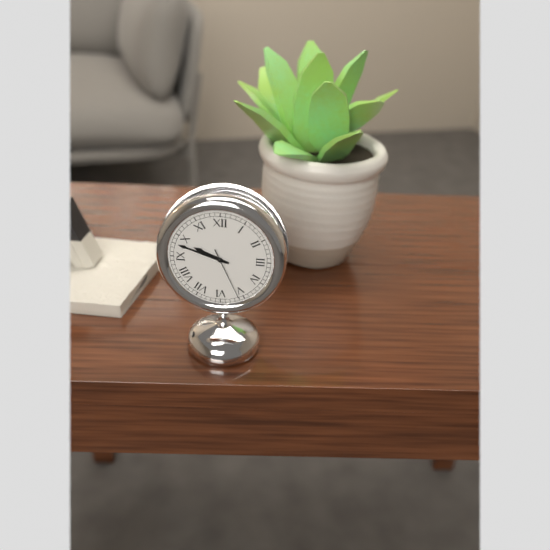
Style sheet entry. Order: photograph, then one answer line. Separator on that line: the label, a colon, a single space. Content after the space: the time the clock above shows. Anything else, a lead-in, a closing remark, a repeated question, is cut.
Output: 9:48:26
